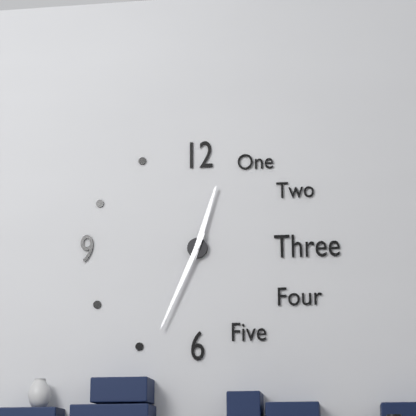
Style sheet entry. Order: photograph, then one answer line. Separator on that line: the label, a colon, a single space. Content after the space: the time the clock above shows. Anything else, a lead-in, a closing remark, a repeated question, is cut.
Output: 12:34
